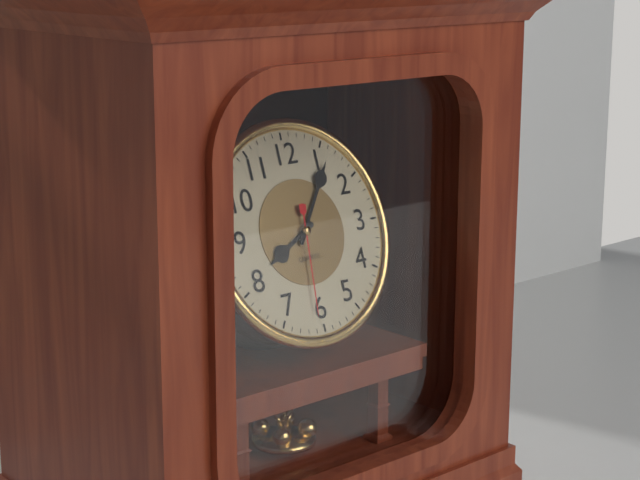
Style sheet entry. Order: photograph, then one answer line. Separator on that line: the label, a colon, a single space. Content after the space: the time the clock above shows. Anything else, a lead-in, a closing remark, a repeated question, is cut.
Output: 8:06:31
